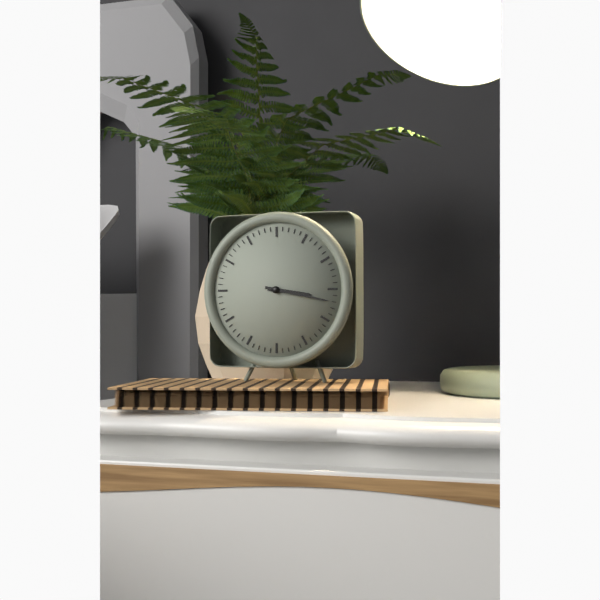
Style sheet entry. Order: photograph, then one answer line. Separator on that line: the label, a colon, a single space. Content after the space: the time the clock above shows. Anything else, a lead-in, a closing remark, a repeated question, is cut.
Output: 3:17
